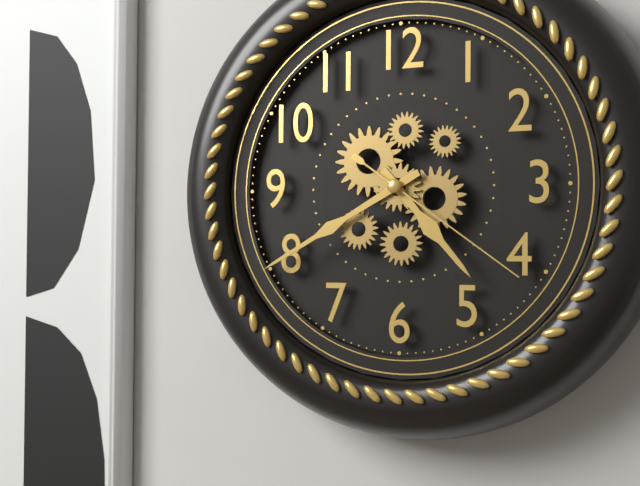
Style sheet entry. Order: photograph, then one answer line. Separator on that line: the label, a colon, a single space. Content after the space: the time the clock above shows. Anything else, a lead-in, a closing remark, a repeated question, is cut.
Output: 4:40:21
